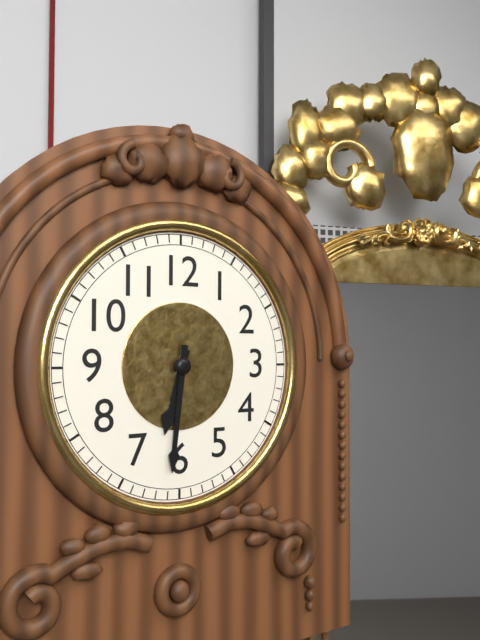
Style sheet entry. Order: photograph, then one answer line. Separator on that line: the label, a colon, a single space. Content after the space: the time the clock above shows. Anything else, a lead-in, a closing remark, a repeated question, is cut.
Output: 6:31
